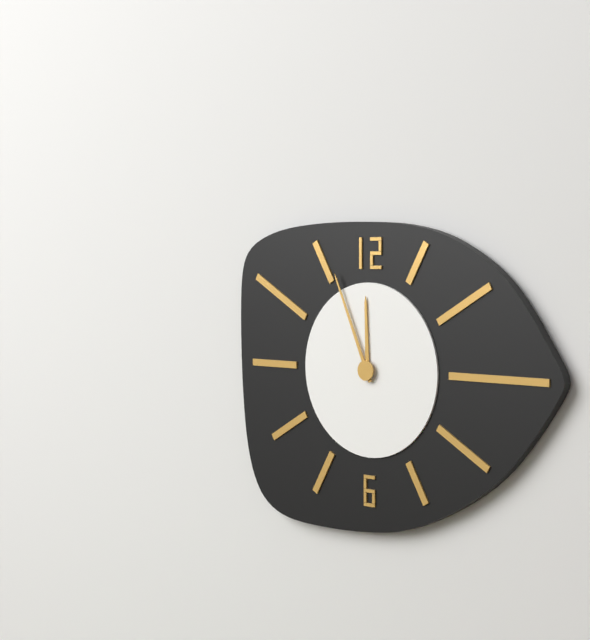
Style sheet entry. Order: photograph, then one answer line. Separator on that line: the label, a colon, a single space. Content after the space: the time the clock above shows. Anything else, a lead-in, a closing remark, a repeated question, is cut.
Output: 11:56
